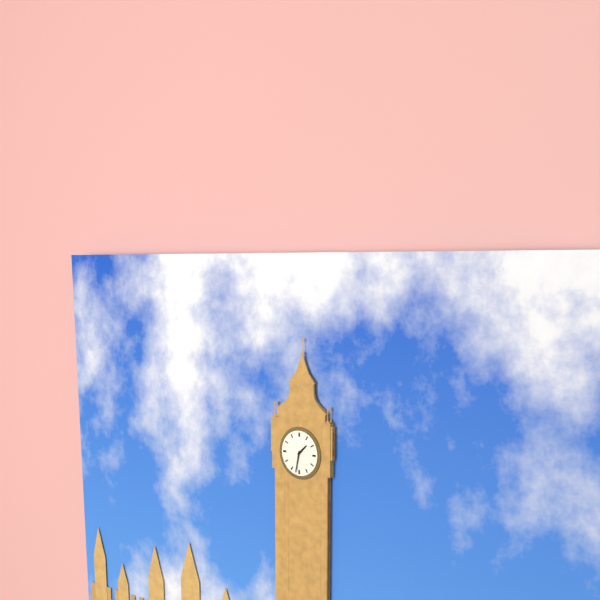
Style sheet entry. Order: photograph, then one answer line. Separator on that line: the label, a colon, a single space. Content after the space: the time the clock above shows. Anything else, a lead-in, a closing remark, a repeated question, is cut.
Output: 1:32
